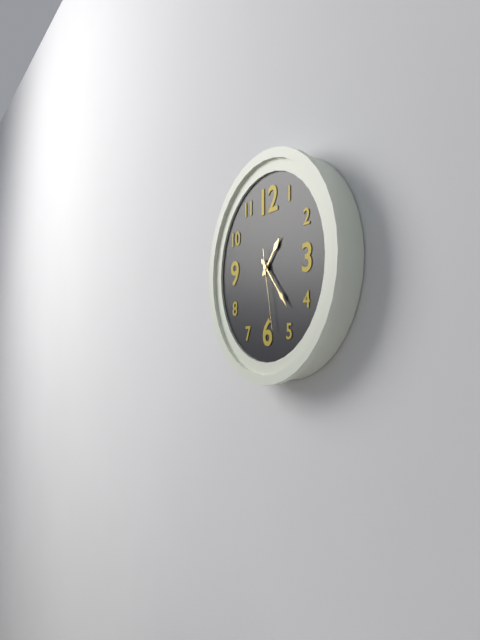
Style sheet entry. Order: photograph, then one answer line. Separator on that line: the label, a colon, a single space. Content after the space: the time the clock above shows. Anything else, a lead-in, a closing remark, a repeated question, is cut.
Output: 1:23:28
